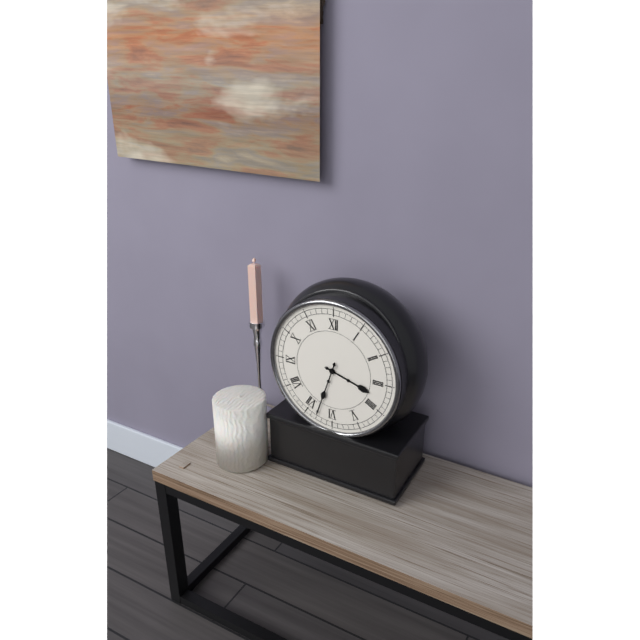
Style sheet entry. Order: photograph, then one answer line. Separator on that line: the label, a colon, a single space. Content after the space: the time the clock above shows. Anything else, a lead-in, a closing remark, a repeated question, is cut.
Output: 3:33
